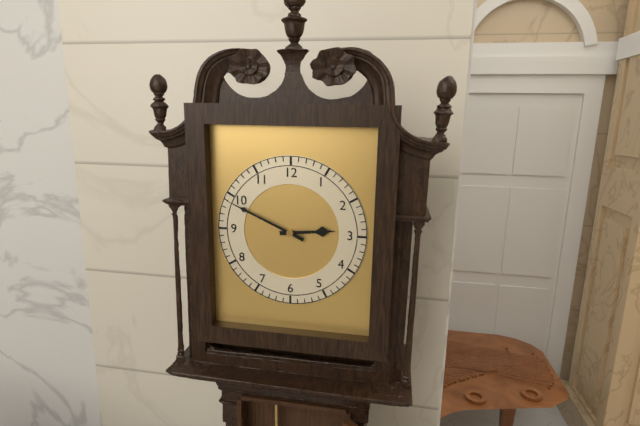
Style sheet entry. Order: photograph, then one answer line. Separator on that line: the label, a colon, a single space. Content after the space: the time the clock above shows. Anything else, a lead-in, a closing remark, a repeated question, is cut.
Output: 2:49
